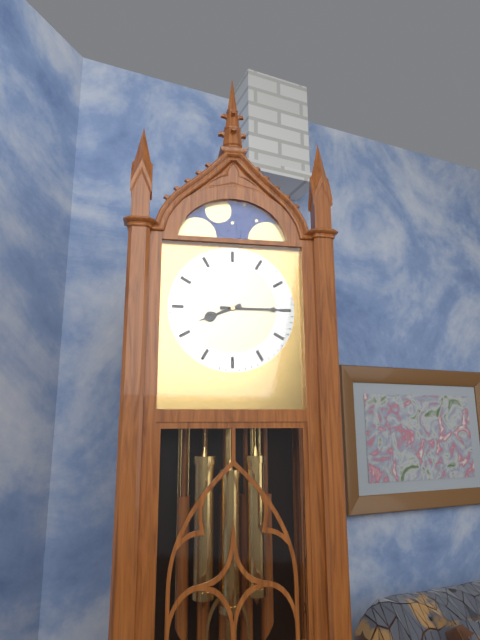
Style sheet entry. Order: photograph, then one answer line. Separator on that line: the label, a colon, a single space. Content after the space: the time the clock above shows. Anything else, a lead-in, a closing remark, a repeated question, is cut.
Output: 8:15
